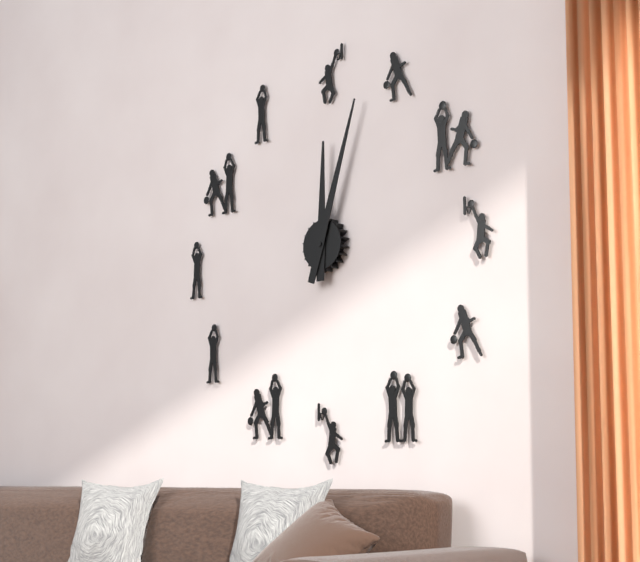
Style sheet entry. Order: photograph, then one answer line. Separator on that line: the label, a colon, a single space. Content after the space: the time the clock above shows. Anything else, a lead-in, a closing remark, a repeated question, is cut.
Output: 12:03
